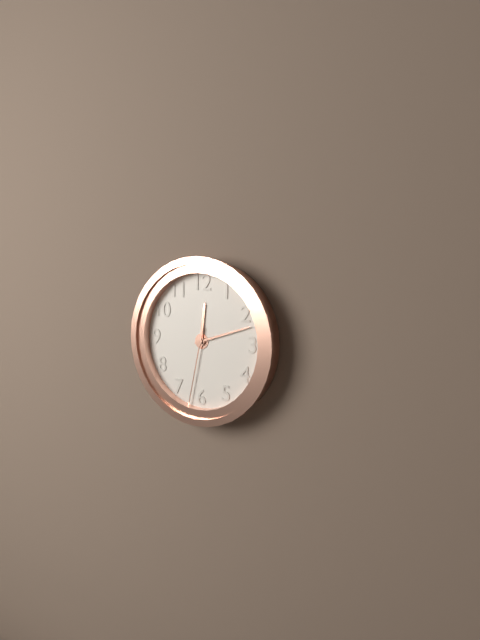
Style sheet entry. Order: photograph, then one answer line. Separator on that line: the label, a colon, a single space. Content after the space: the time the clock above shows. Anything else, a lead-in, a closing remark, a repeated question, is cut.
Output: 12:12:32
